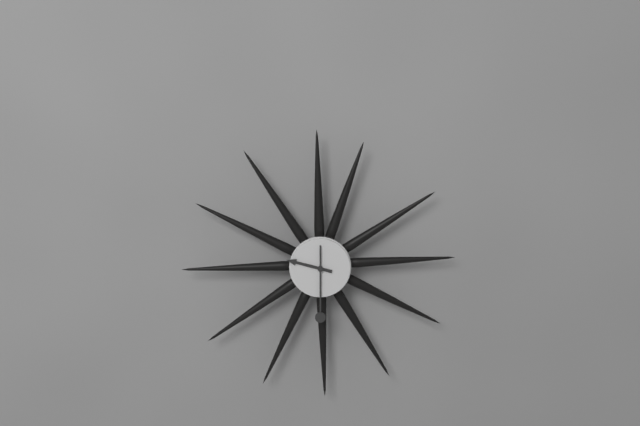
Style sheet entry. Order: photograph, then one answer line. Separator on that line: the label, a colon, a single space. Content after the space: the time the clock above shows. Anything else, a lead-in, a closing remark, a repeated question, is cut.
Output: 9:30
